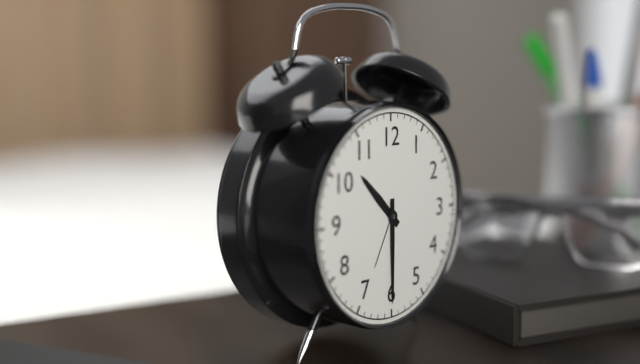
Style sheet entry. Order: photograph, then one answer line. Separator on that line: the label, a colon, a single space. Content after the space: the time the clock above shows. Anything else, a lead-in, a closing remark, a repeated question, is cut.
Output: 10:30
